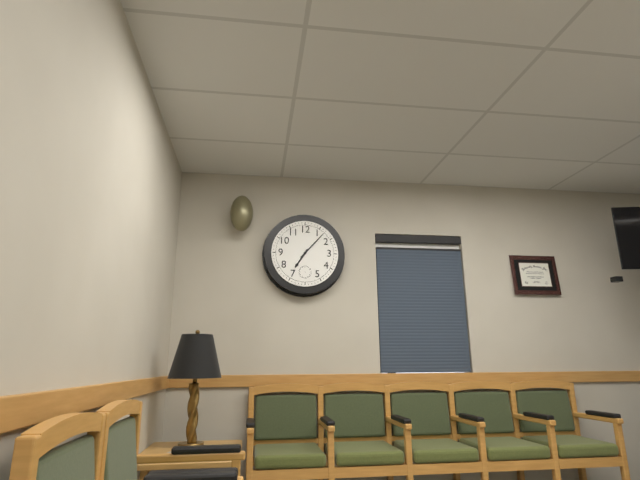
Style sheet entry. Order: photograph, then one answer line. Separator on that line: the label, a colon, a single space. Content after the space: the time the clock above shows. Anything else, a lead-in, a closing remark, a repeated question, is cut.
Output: 7:07
